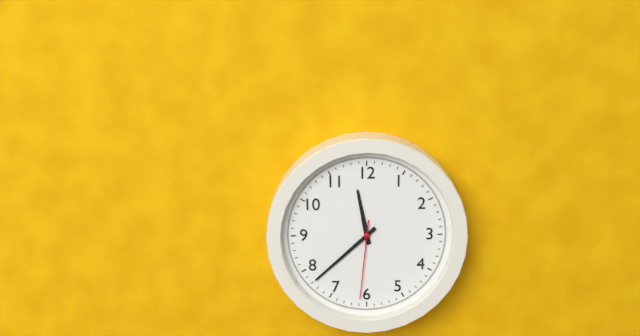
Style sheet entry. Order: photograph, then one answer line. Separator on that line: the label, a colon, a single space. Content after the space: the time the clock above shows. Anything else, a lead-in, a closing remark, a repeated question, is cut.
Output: 11:38:31
